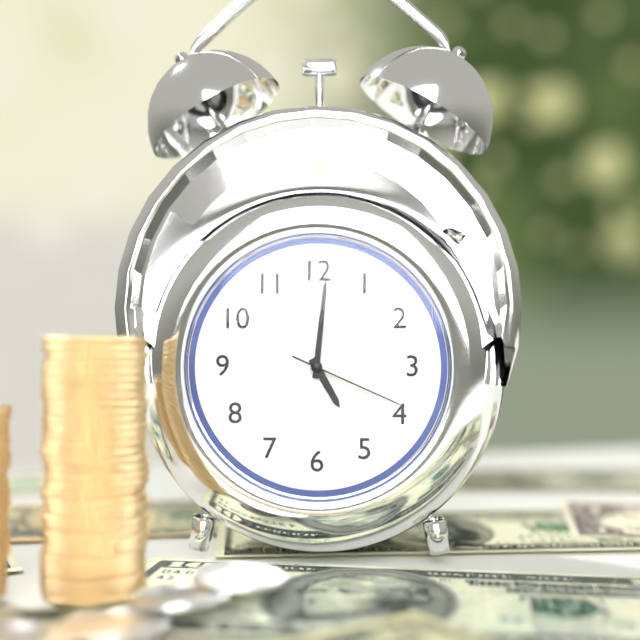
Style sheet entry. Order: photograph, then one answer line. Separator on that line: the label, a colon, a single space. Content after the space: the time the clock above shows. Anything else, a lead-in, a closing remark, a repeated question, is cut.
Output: 5:01:19
